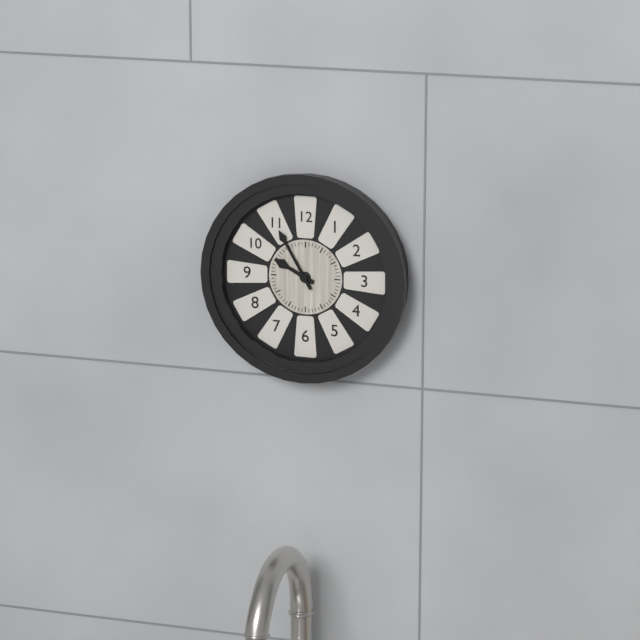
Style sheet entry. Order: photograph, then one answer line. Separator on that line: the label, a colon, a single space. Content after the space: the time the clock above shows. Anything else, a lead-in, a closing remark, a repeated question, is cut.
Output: 9:55
